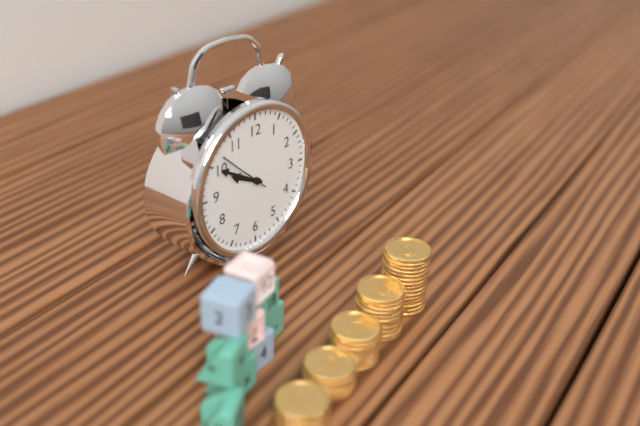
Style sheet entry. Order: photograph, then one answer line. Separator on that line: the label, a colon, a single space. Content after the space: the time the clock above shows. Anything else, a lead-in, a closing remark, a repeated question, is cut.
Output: 9:50
